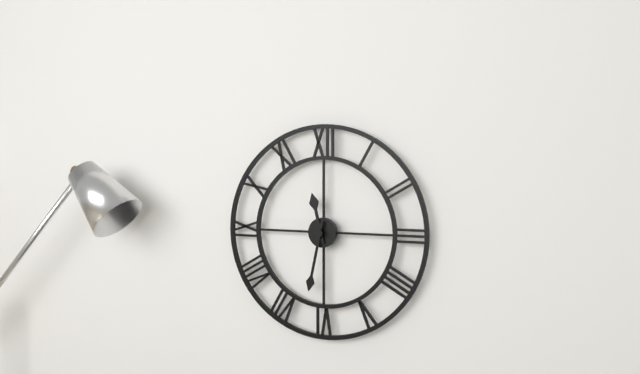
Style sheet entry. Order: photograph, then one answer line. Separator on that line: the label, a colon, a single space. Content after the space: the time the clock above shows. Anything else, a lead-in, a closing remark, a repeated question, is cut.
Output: 11:32
